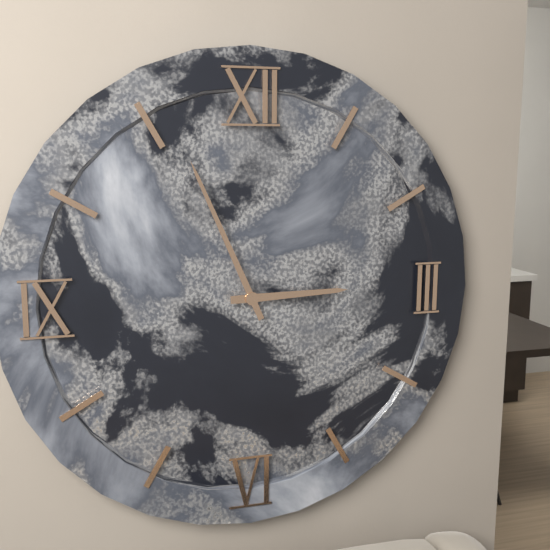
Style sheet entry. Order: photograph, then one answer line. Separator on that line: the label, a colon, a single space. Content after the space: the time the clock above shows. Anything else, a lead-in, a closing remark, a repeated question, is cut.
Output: 2:56
